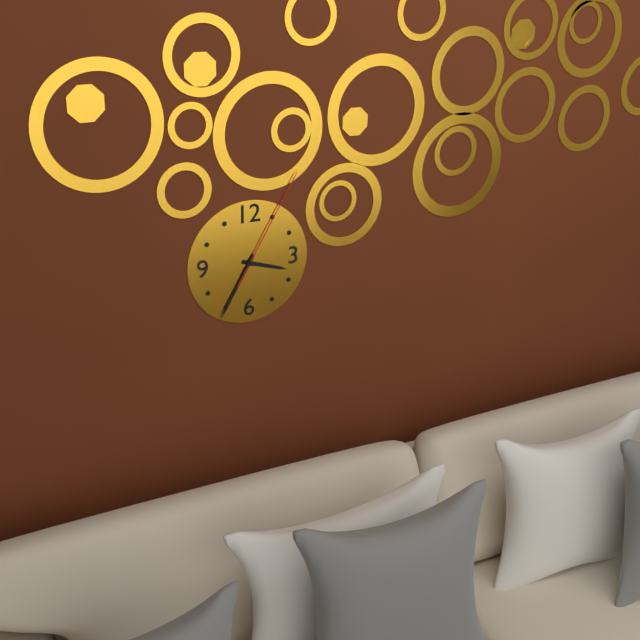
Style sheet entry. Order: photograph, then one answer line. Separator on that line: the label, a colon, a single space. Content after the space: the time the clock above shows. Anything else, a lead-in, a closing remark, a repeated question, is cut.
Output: 3:35:05
